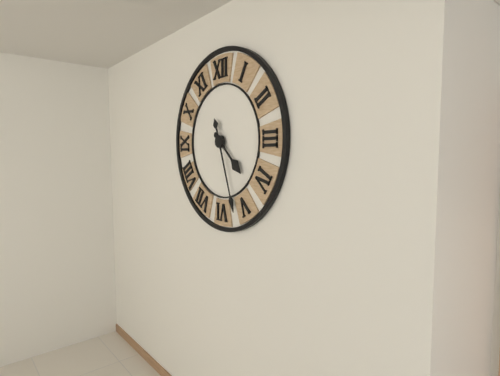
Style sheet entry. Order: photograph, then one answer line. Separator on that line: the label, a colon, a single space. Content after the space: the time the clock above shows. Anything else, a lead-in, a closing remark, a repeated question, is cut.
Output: 4:27
